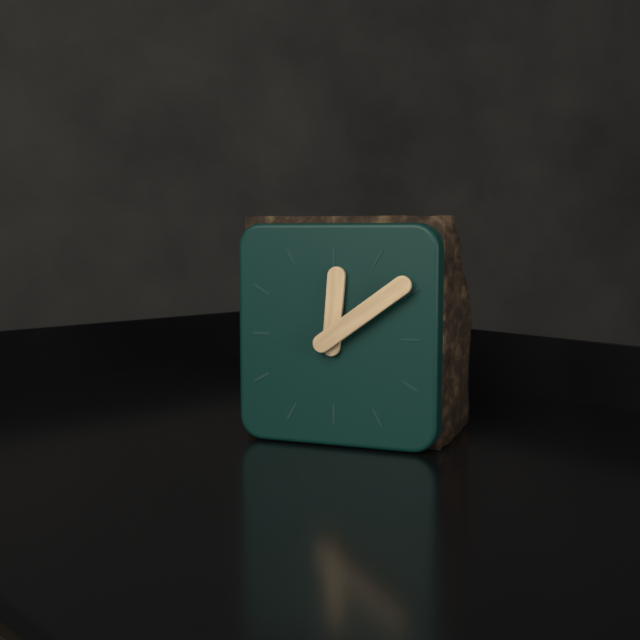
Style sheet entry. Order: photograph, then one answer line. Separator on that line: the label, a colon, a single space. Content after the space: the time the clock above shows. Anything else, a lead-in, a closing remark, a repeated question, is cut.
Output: 12:09
